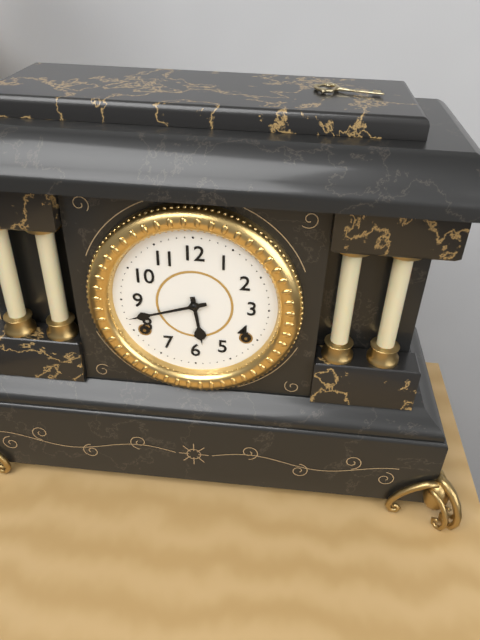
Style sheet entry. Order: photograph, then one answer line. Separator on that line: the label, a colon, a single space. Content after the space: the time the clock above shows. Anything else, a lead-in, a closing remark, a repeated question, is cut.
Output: 5:42
